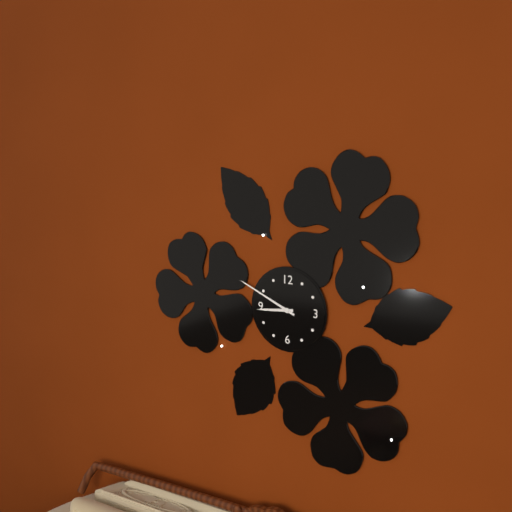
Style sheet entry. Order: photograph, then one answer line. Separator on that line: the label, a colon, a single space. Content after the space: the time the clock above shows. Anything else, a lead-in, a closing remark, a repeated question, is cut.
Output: 8:49
